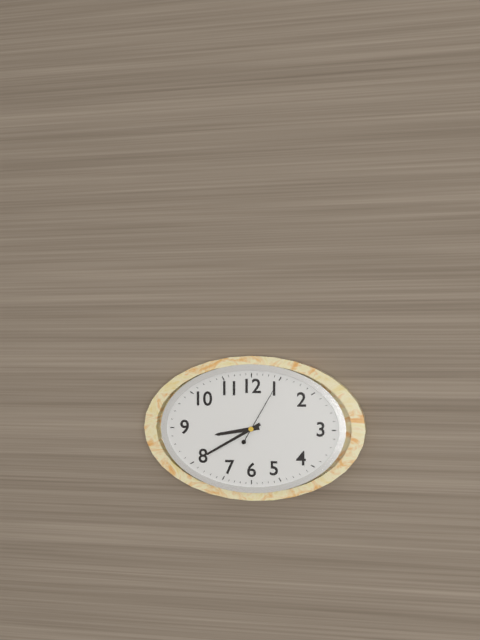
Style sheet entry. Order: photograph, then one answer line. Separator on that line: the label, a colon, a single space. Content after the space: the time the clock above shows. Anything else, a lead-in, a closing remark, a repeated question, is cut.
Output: 8:40:05
